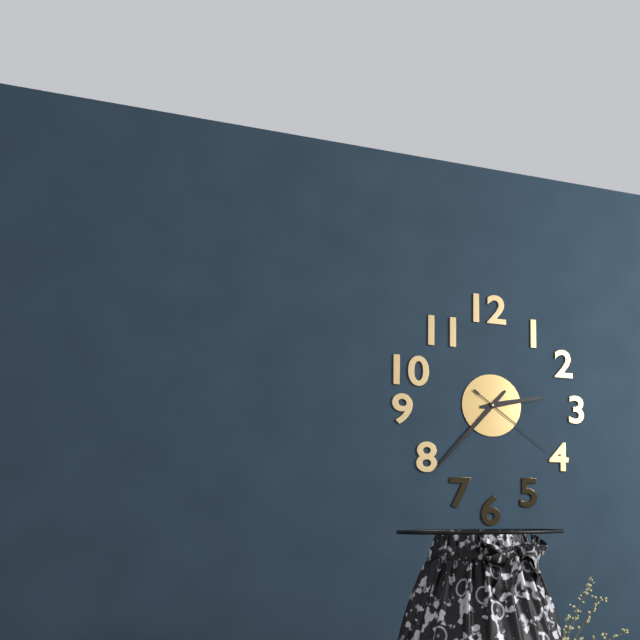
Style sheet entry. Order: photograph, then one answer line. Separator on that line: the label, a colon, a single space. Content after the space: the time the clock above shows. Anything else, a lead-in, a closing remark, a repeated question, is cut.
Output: 2:37:21
